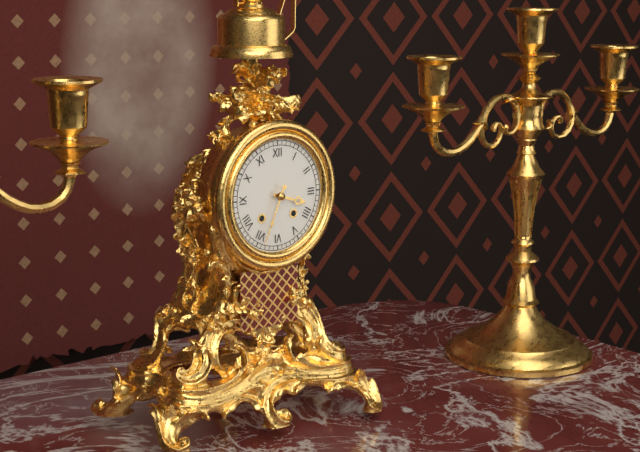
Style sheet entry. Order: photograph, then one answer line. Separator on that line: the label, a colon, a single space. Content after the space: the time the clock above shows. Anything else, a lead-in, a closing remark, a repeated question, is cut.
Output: 3:34
